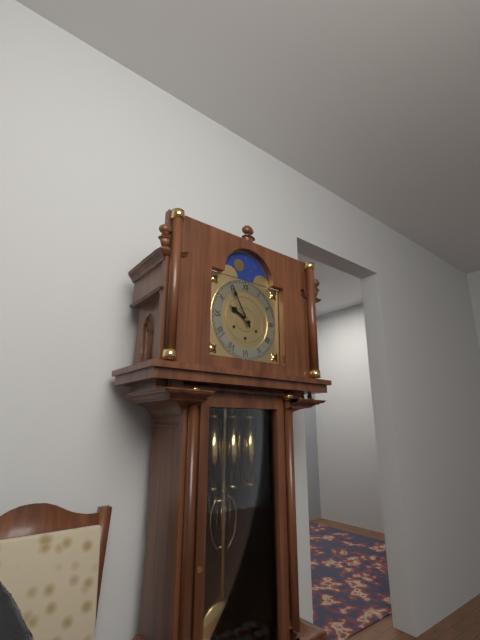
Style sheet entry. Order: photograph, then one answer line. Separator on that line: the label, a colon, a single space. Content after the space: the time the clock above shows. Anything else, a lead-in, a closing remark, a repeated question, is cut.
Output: 9:55
